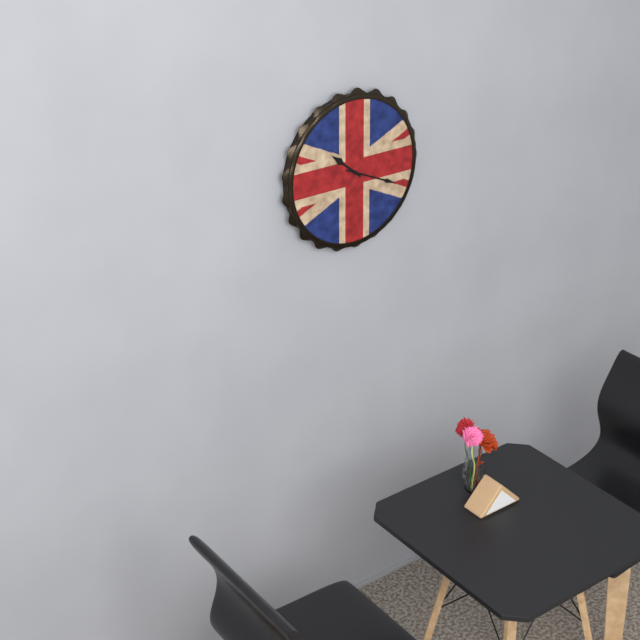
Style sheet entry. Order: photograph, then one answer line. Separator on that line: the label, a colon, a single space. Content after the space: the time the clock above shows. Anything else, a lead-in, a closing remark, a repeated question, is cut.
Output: 10:19
